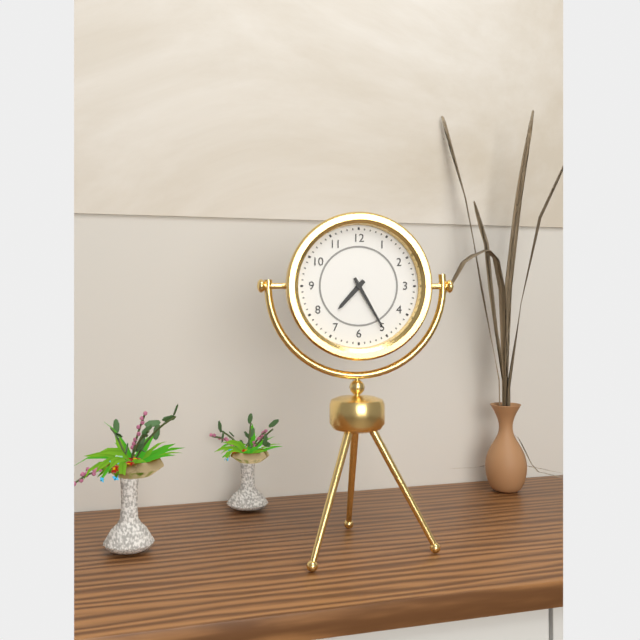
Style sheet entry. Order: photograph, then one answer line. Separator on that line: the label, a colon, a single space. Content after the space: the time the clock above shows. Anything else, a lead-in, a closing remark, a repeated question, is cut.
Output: 7:25
